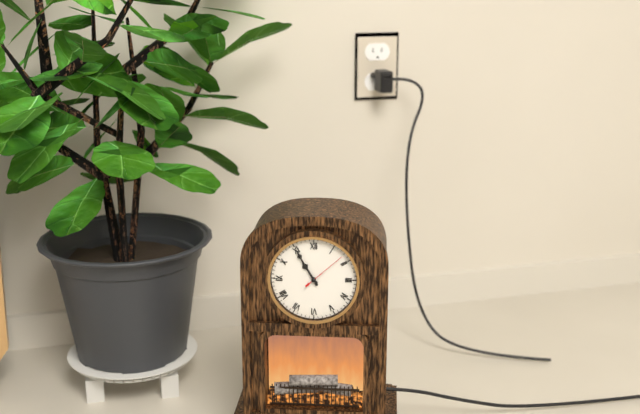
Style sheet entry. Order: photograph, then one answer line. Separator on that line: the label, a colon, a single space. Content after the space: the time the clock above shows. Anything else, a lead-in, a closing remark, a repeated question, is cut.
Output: 10:55
